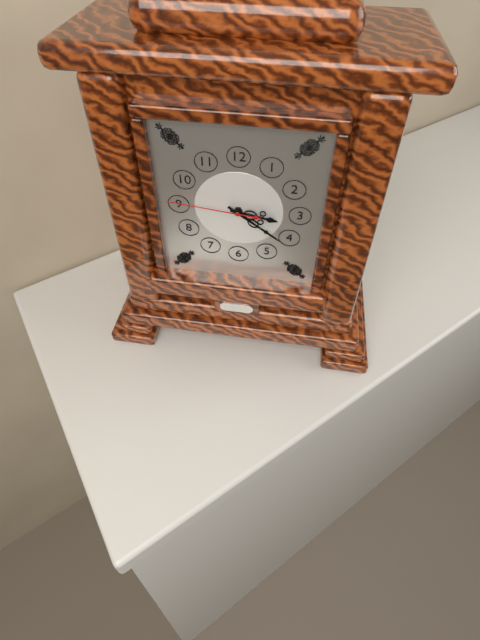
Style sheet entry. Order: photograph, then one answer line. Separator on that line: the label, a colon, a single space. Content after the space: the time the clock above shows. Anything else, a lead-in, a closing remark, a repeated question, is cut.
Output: 3:21:46
